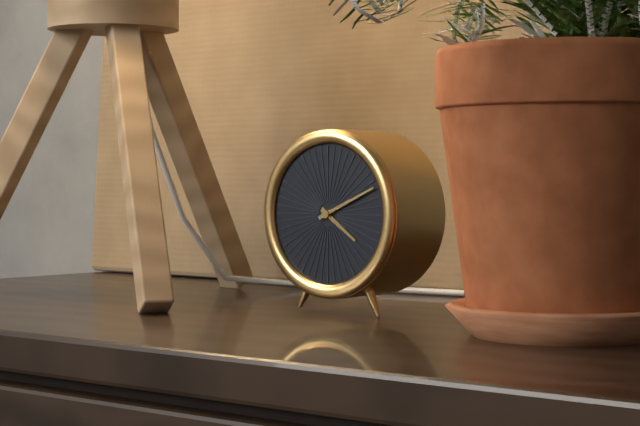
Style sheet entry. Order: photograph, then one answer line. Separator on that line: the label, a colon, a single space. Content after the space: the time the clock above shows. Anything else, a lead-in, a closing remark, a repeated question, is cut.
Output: 4:11
